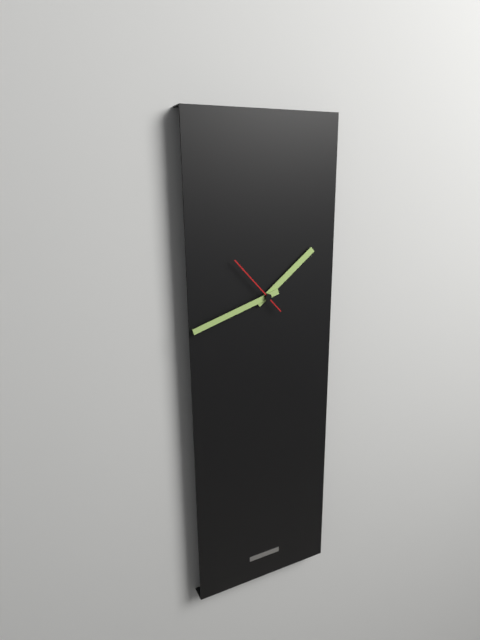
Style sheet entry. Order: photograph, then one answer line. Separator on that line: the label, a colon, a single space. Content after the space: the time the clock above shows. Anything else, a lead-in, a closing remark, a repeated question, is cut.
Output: 1:42:53
